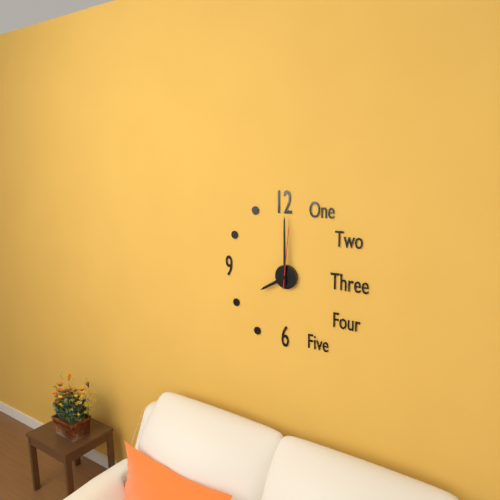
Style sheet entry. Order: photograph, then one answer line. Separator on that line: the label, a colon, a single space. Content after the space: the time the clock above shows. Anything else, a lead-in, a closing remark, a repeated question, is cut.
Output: 8:00:01
